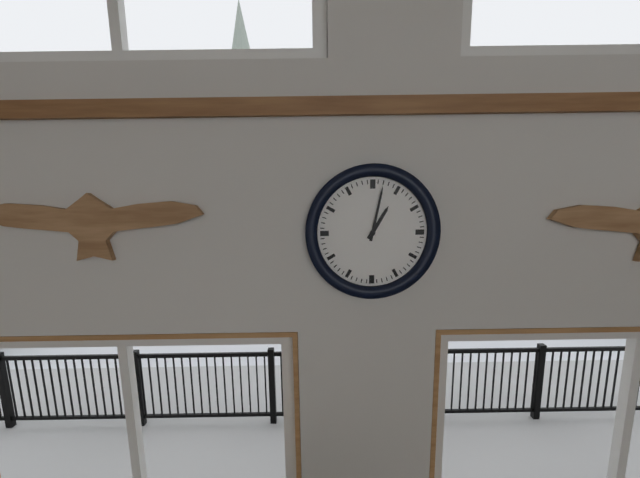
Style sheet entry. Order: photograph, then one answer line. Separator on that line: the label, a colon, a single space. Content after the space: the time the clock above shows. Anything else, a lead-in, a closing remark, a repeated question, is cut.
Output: 1:02
